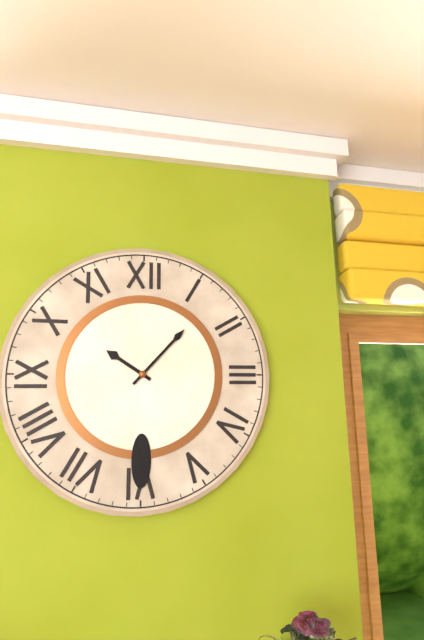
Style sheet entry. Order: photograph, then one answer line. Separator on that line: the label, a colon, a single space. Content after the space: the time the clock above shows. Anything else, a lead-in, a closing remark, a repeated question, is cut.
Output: 10:07
